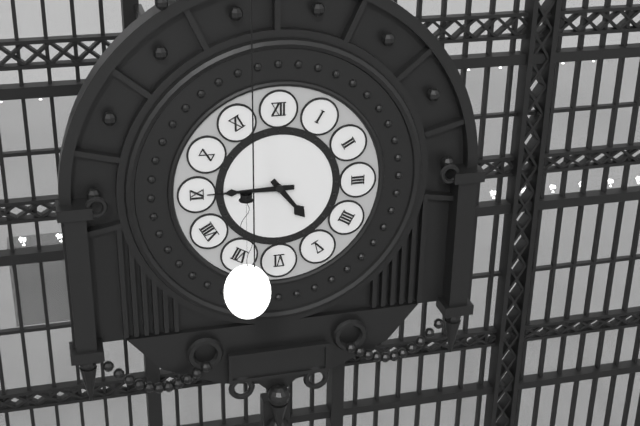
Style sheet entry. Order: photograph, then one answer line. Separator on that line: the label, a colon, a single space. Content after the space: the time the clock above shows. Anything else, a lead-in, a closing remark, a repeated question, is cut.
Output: 4:45
